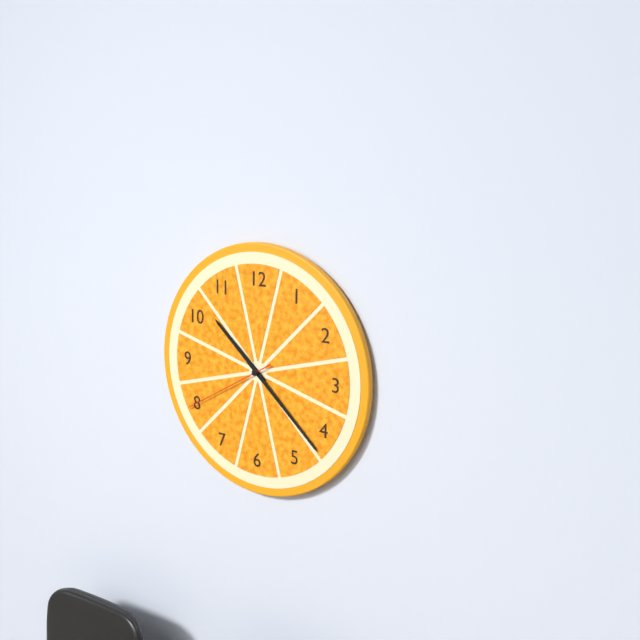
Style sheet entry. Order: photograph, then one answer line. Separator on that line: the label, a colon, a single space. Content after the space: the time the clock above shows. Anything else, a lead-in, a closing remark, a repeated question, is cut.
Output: 10:22:40
